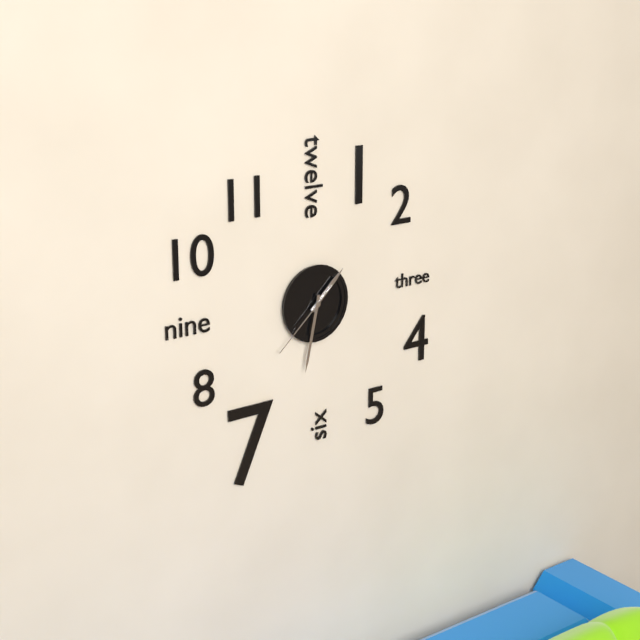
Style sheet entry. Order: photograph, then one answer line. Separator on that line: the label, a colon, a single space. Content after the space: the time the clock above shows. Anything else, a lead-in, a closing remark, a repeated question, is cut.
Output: 1:32:38
